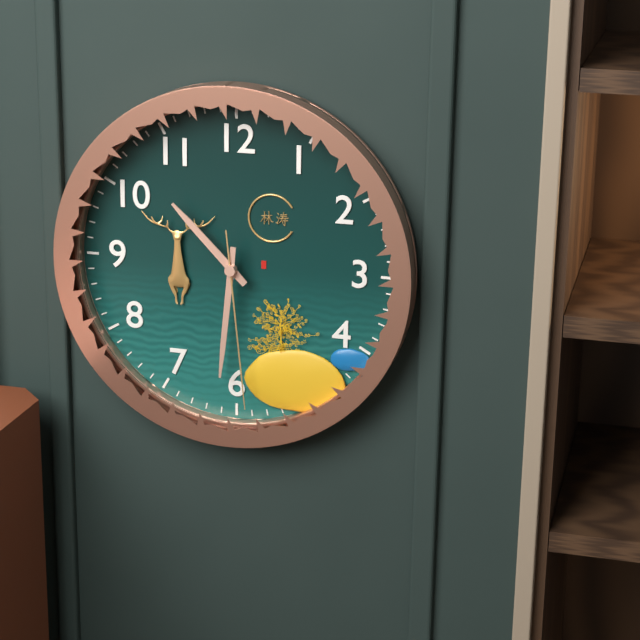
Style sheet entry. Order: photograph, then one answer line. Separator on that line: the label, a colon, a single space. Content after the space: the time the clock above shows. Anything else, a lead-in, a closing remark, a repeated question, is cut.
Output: 10:31:29
